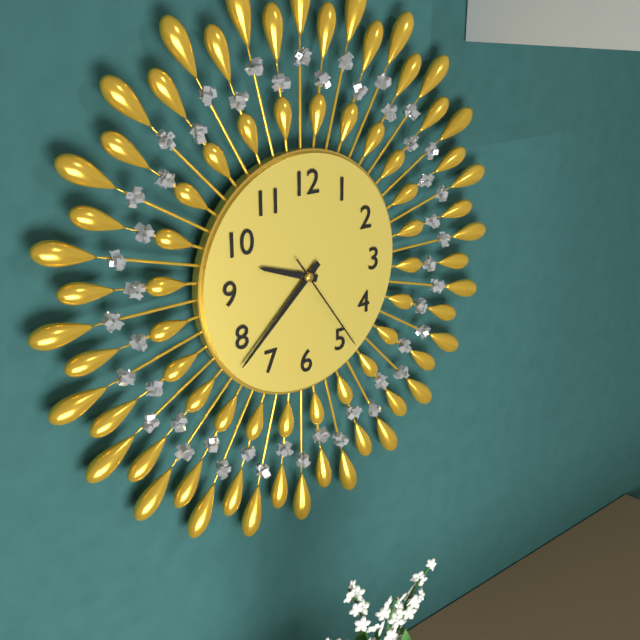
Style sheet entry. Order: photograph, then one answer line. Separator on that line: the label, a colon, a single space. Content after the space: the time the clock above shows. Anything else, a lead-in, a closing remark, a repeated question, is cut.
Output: 9:38:24
